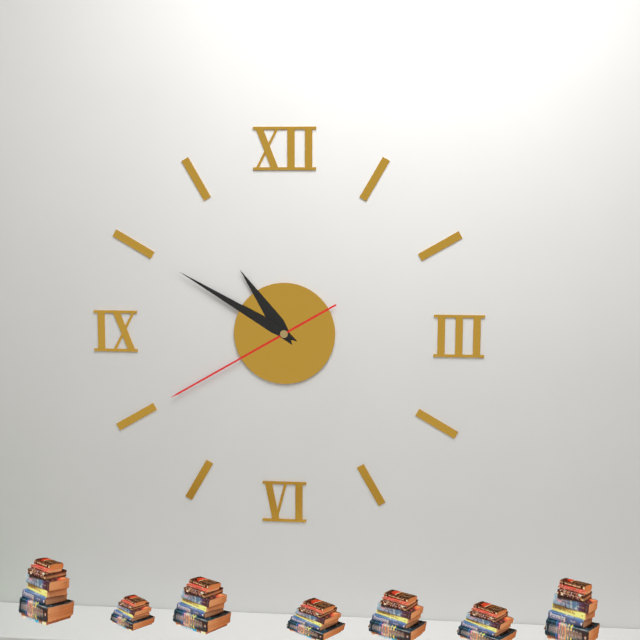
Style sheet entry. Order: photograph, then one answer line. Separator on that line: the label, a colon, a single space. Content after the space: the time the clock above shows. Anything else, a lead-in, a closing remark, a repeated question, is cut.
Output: 10:50:40
